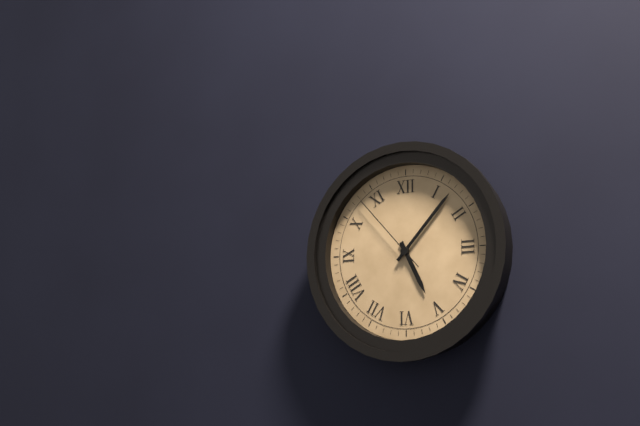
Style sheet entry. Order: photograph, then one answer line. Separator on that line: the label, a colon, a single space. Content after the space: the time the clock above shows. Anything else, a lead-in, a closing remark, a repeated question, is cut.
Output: 5:07:53
